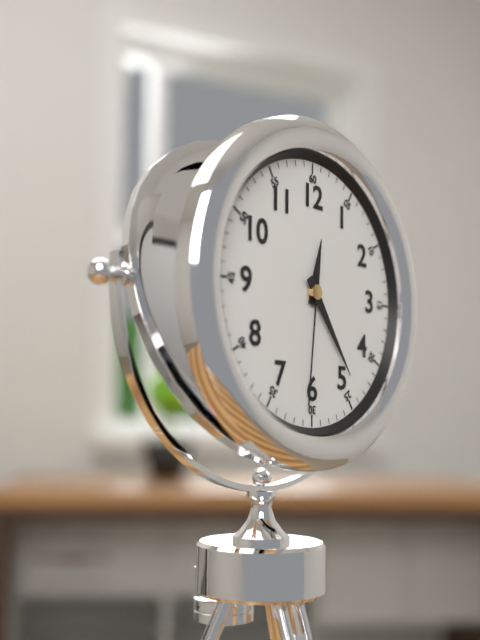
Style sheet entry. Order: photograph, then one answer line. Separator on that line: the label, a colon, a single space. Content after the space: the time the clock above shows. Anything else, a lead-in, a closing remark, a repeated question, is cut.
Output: 12:24:31
